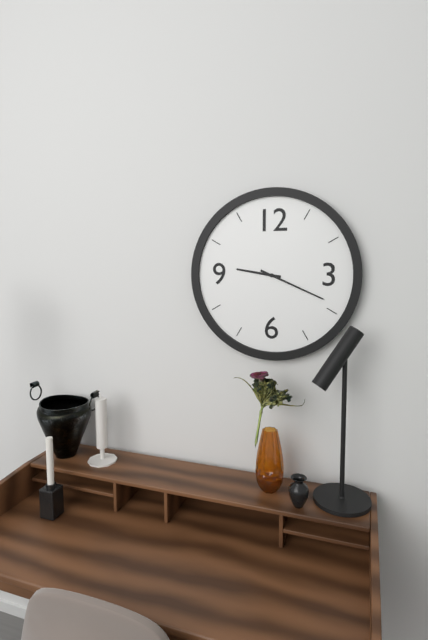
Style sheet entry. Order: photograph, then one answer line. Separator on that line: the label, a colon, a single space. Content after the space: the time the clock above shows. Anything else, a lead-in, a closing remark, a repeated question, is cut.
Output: 9:19
